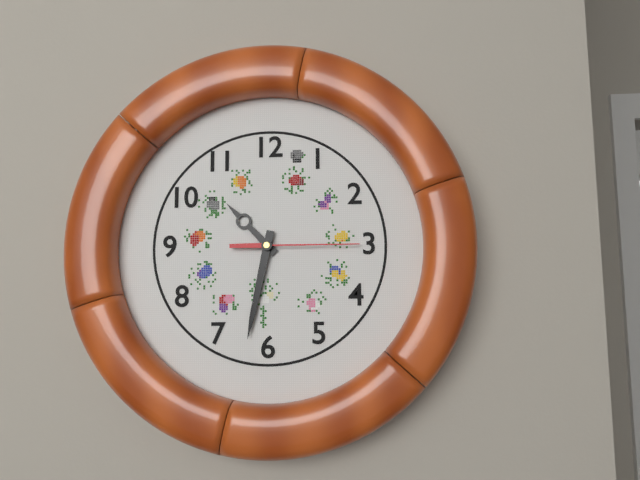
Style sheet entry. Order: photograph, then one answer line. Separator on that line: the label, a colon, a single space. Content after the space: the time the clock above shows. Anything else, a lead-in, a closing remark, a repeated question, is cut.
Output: 10:32:15
